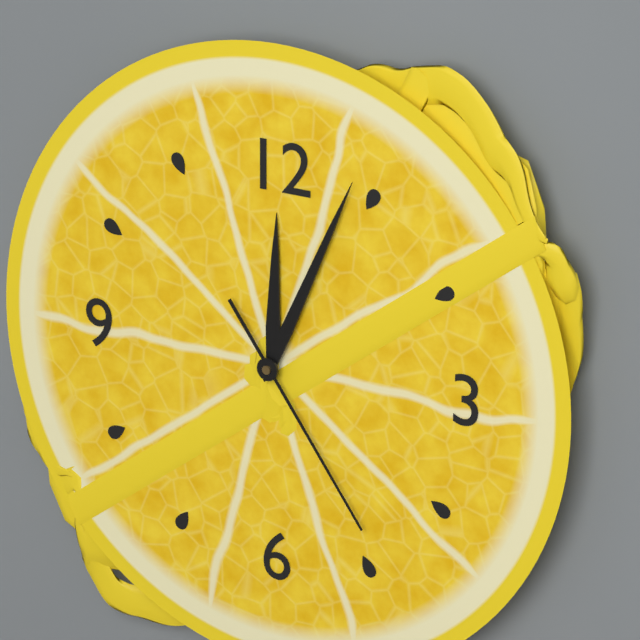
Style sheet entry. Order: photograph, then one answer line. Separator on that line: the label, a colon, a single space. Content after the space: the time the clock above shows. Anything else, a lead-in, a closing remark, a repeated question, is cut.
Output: 12:04:24
